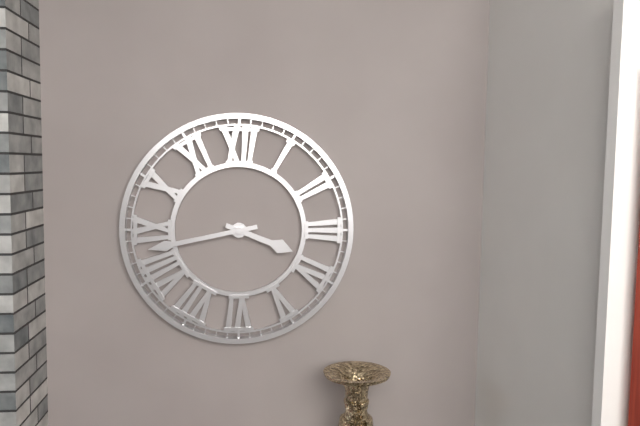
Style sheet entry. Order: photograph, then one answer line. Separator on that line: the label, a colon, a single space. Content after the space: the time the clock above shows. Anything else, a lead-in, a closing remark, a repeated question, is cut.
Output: 3:43
